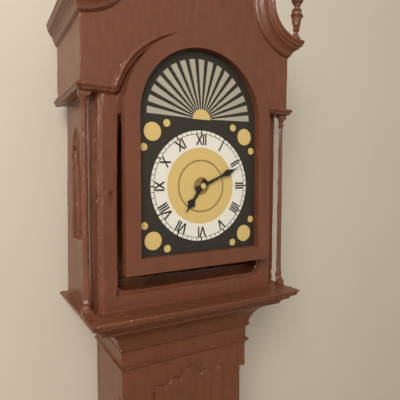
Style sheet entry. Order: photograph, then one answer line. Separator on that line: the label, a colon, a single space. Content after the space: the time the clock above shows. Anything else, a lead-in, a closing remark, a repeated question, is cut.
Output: 7:11
